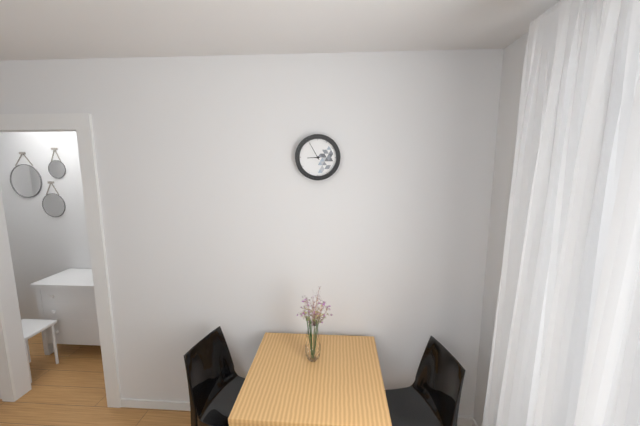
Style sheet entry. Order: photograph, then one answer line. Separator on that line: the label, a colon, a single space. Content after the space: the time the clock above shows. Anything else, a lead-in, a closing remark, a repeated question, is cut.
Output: 8:55
